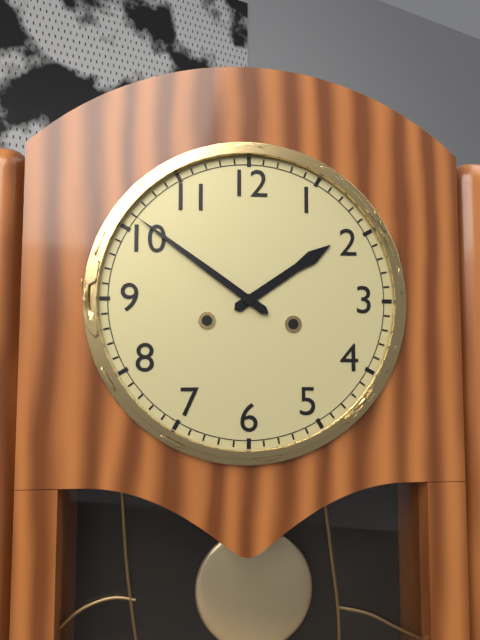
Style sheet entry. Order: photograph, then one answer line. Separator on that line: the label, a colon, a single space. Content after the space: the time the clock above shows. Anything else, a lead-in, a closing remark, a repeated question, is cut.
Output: 1:51
